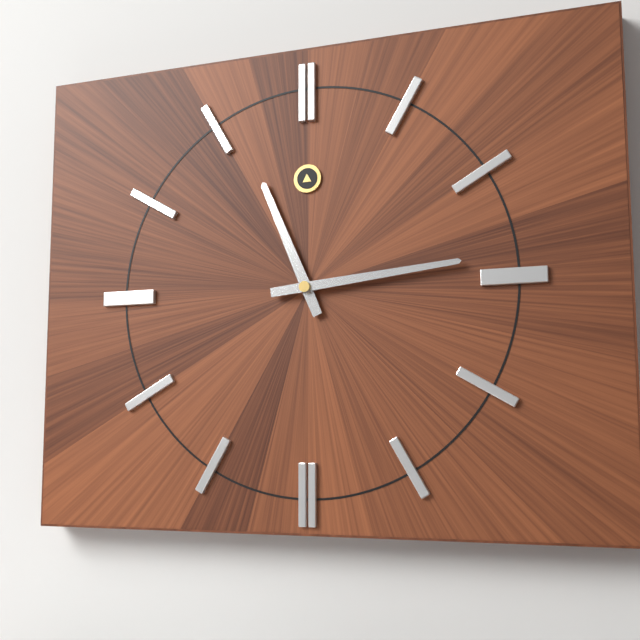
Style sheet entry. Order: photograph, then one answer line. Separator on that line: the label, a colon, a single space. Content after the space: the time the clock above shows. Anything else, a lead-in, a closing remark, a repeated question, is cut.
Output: 11:14
